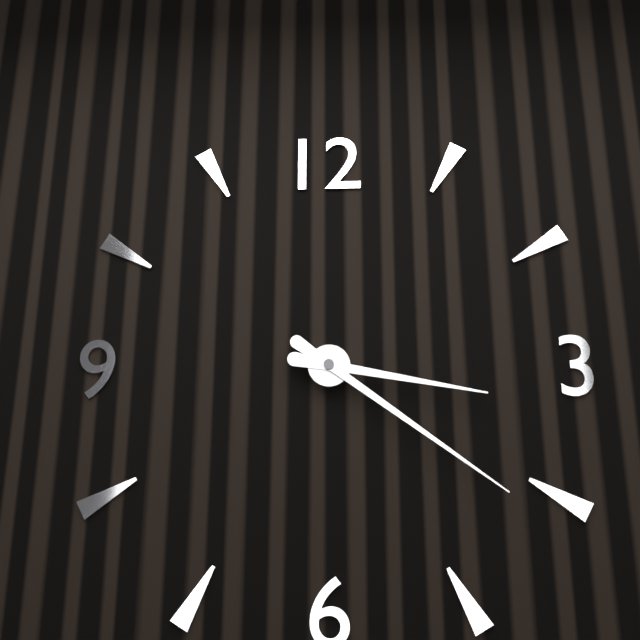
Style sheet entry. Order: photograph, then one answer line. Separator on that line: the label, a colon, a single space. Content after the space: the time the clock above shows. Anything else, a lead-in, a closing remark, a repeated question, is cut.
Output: 3:21
